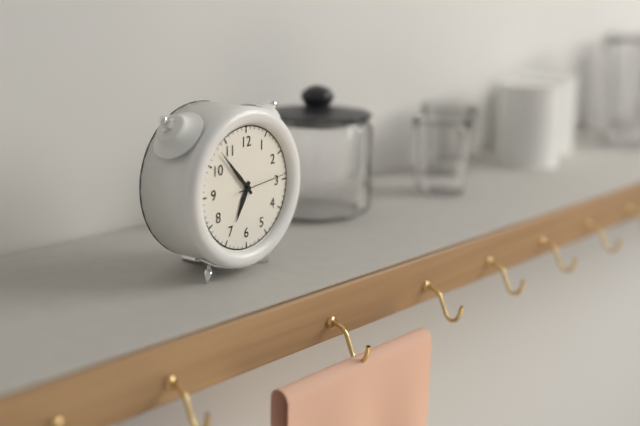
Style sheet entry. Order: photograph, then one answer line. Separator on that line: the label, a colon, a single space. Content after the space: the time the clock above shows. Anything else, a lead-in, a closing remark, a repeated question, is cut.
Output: 6:53:14
